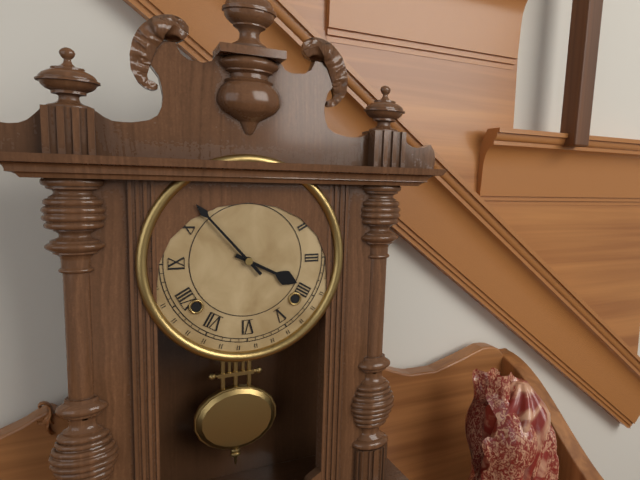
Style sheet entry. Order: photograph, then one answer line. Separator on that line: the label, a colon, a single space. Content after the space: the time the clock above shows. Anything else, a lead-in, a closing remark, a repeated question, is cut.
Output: 3:53
